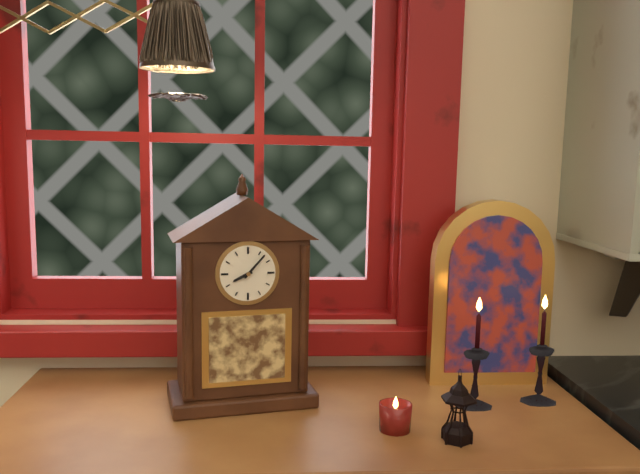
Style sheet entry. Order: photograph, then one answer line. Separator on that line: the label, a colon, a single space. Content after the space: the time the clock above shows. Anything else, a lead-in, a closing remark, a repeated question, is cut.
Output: 8:07
